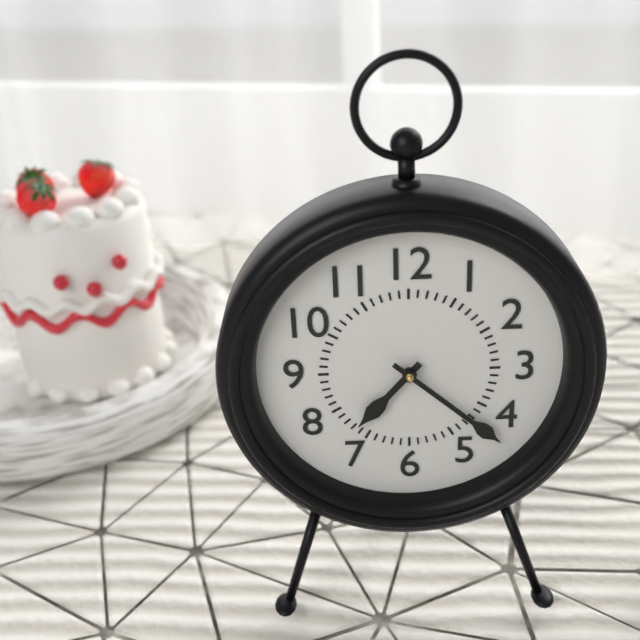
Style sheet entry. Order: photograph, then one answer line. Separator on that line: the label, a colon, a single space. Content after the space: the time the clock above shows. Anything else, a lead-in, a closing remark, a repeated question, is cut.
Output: 7:22
